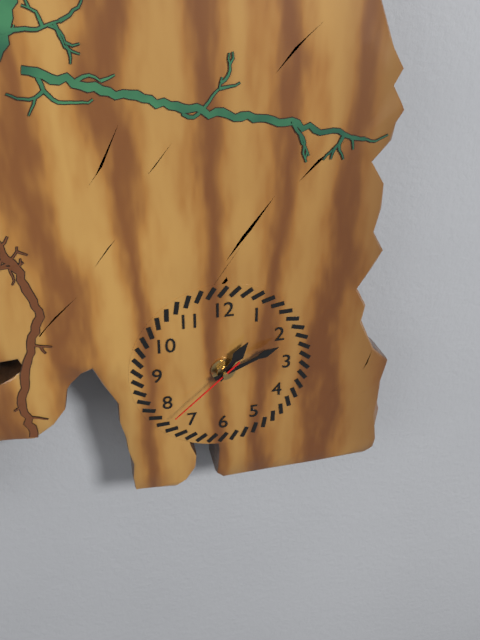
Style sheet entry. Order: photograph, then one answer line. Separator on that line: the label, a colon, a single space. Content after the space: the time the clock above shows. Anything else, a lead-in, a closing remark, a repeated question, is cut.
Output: 1:11:38
